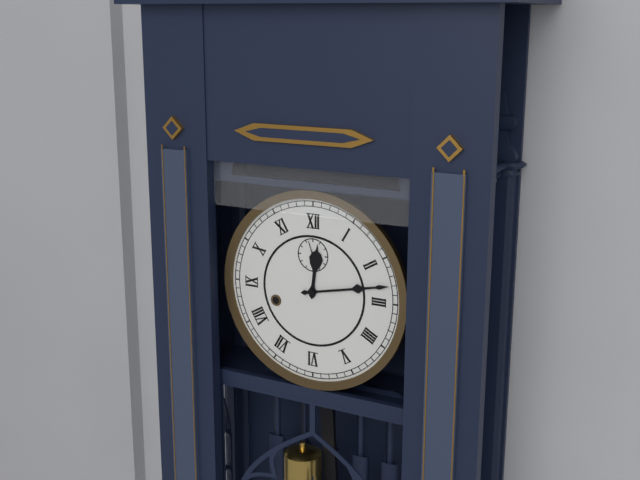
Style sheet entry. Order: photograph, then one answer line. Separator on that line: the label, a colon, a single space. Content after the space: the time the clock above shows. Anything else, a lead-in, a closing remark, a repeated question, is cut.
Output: 12:13
